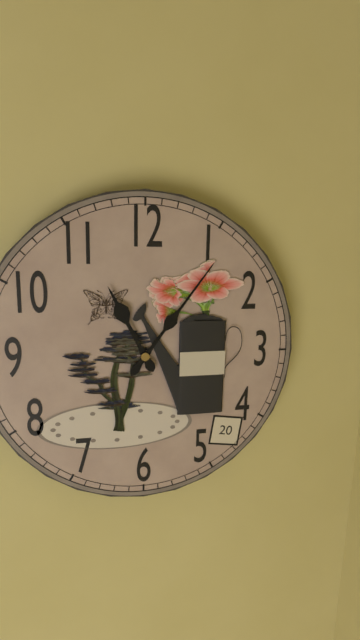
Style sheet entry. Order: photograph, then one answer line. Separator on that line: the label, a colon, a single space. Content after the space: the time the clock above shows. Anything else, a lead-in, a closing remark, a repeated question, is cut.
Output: 11:06
